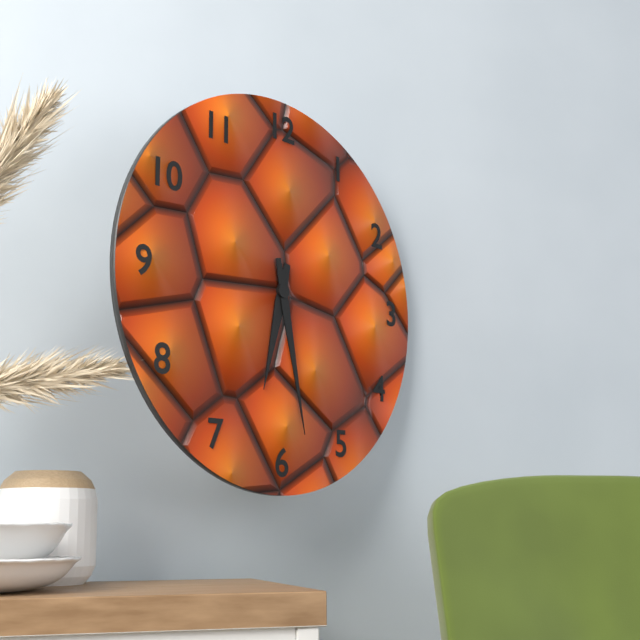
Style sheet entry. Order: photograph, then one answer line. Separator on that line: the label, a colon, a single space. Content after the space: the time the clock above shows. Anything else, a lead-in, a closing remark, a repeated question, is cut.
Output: 6:28
